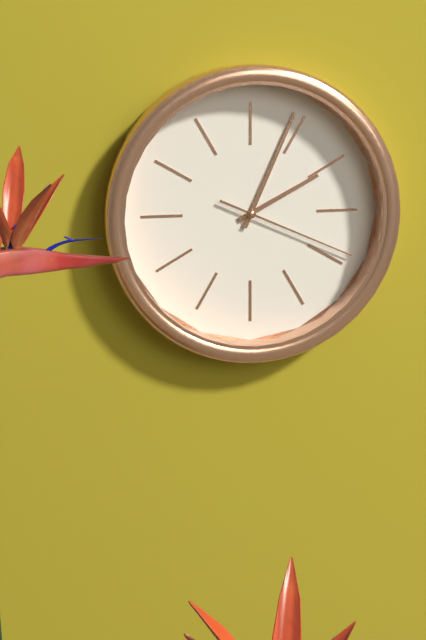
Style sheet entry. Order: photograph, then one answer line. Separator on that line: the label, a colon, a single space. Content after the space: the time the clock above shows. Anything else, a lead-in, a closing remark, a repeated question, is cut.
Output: 2:04:19
